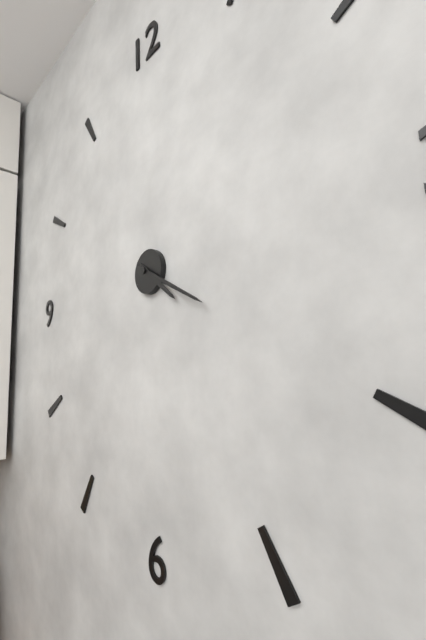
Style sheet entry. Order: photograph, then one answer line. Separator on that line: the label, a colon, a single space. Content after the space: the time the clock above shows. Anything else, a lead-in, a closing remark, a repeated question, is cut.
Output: 4:20
